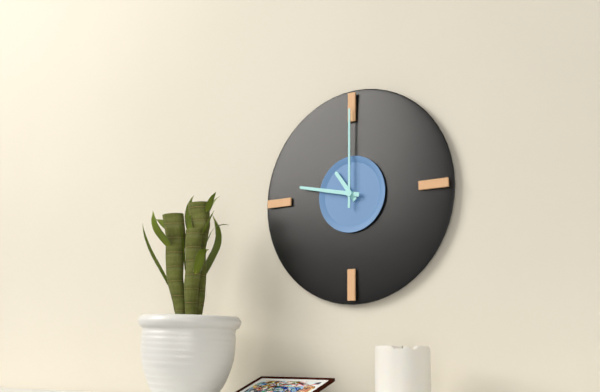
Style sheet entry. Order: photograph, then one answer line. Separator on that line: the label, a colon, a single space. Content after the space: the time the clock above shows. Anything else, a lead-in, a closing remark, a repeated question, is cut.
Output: 10:47:00
